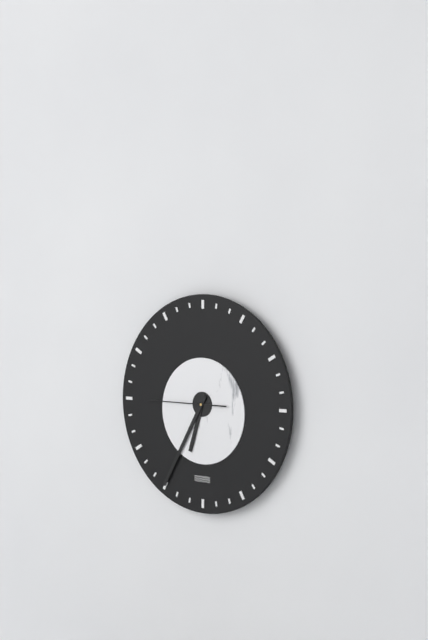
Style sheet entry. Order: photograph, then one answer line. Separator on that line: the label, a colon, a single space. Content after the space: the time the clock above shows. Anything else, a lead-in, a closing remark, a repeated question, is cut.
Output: 6:35:45
